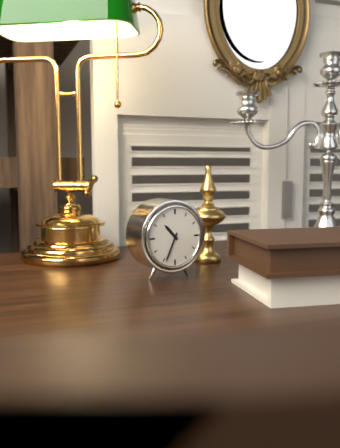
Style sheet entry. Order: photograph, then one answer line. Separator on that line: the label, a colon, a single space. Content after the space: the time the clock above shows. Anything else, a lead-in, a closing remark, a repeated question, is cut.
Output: 10:34
